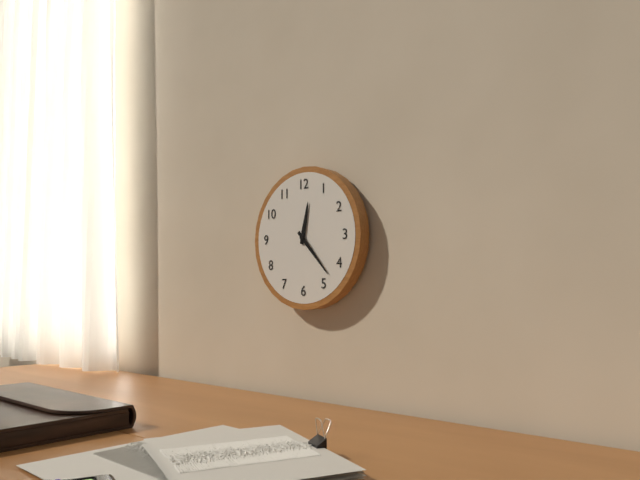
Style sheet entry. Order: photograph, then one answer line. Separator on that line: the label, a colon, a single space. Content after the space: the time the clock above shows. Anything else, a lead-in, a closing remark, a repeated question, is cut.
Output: 12:23
